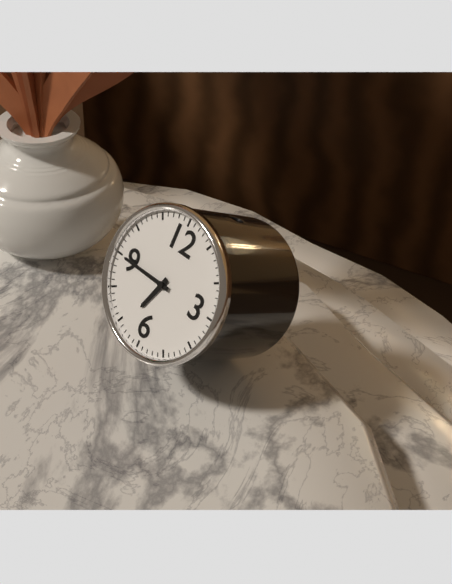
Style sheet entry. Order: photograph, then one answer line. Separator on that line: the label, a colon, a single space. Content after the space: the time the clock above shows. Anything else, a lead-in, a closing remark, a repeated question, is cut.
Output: 6:45
